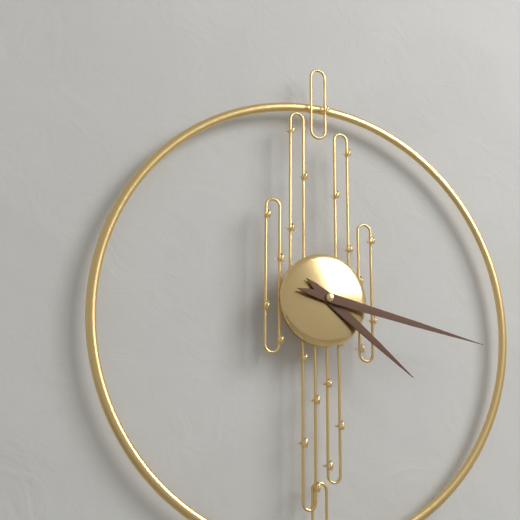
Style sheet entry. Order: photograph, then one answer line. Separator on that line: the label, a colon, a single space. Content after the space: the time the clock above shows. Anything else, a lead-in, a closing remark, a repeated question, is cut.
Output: 4:17
